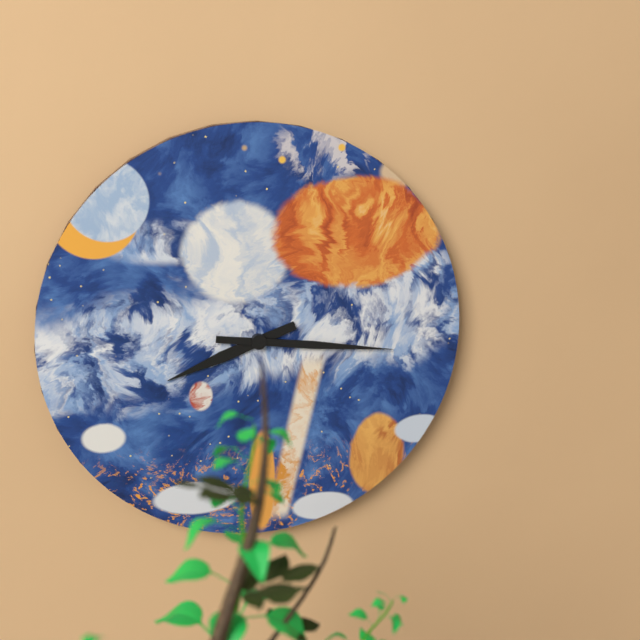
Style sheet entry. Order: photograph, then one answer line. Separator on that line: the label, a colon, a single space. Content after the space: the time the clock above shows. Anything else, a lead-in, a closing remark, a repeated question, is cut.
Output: 8:16
